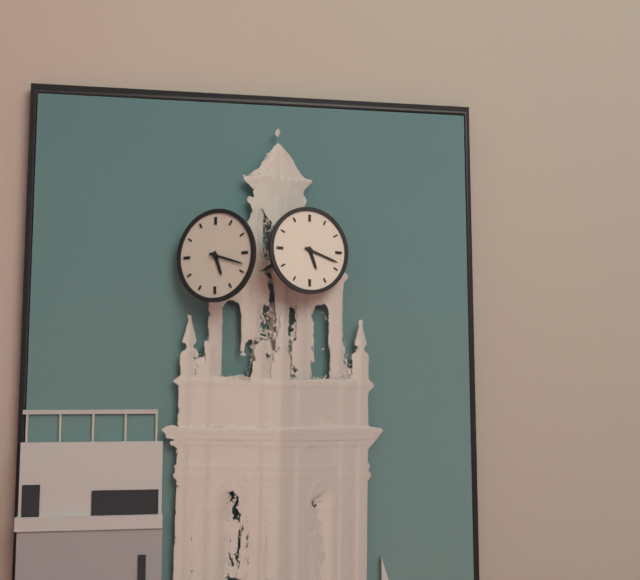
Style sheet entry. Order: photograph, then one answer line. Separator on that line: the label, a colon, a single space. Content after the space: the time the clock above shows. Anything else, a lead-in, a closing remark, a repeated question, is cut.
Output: 5:18
